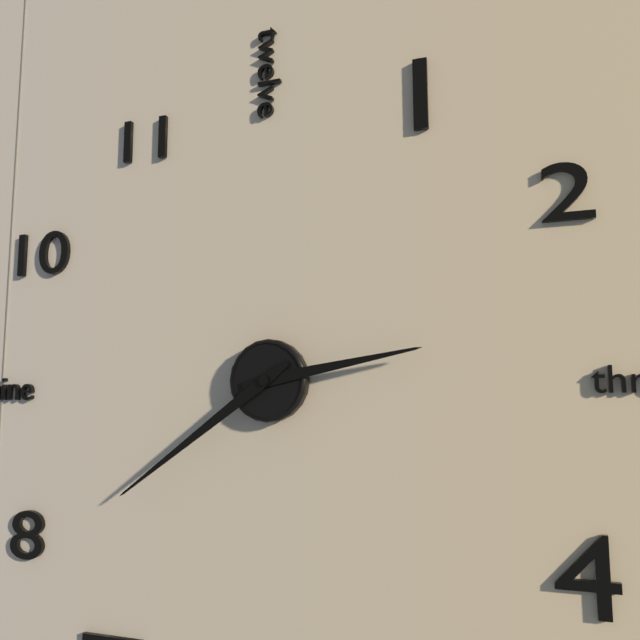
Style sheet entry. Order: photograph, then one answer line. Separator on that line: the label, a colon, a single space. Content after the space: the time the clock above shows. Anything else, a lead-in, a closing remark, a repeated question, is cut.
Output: 2:39
